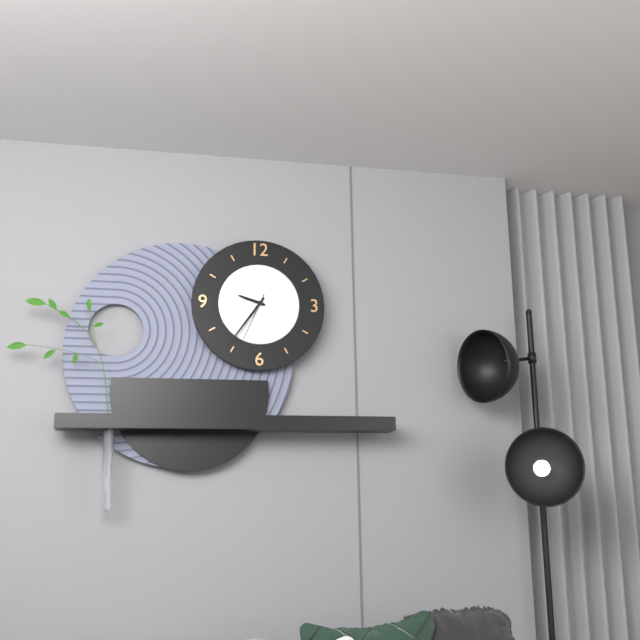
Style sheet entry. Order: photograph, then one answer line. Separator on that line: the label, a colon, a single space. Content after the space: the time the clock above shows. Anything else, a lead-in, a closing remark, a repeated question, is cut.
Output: 9:36:34
